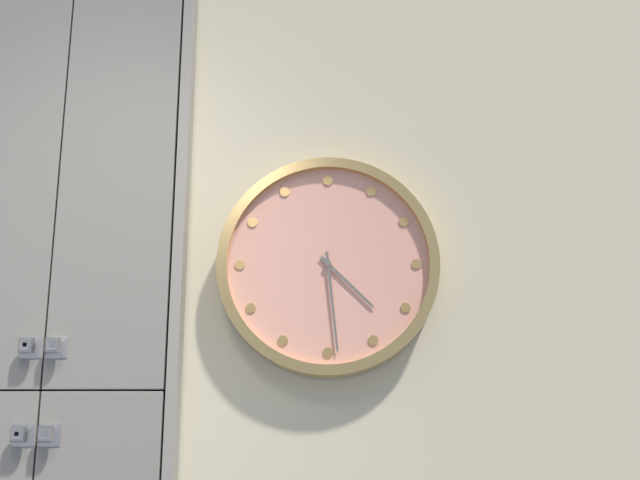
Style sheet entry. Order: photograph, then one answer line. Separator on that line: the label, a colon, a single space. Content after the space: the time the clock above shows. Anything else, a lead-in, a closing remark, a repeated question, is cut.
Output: 4:29
